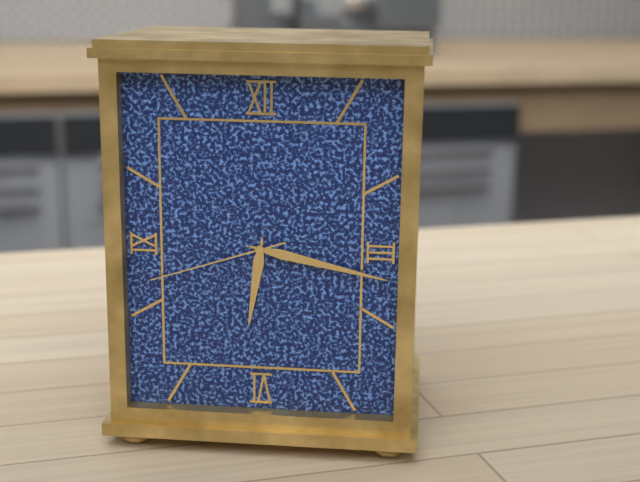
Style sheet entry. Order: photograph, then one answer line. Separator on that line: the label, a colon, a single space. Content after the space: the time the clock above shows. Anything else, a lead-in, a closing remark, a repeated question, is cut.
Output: 6:17:42
